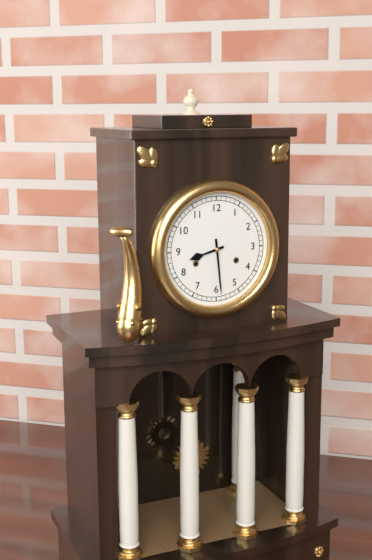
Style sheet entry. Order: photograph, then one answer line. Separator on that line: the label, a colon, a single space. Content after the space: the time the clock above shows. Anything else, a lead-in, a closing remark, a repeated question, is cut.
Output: 8:29
